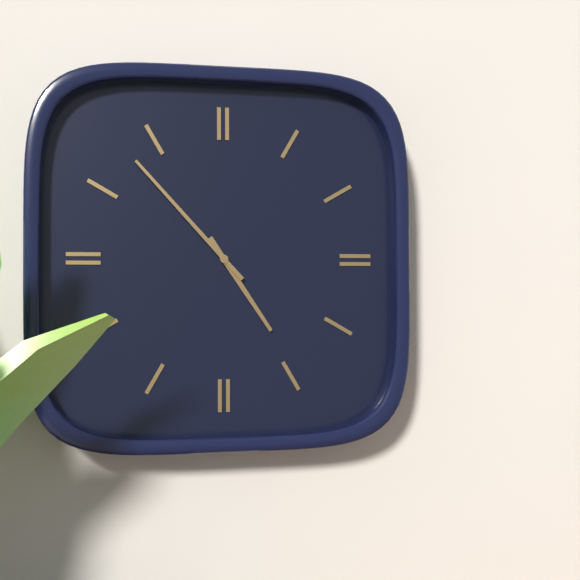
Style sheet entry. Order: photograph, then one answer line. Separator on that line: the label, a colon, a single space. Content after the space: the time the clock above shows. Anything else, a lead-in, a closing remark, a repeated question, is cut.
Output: 4:53
